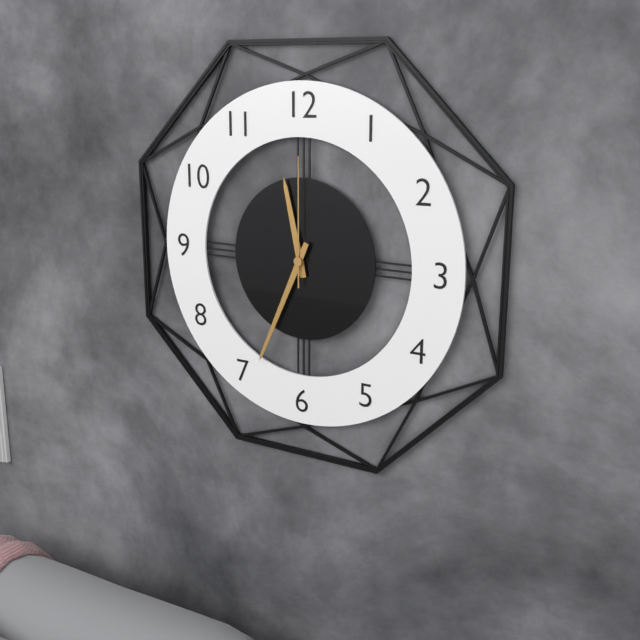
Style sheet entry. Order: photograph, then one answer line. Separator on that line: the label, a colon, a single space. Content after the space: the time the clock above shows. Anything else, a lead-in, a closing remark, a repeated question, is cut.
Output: 11:34:00
